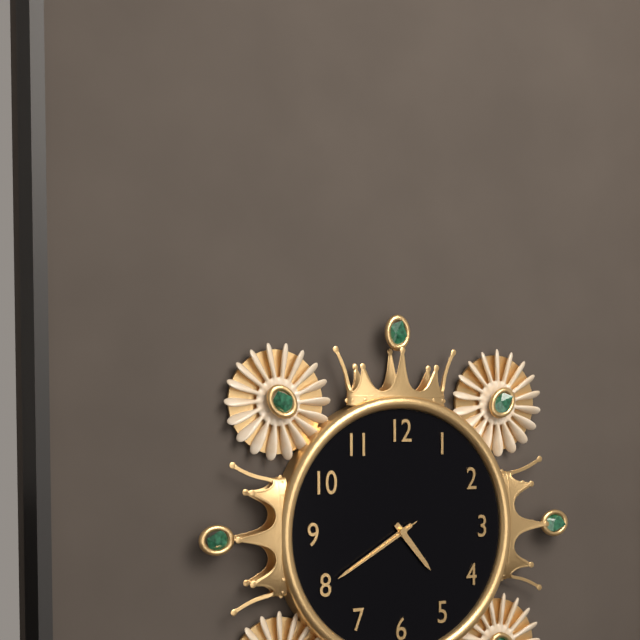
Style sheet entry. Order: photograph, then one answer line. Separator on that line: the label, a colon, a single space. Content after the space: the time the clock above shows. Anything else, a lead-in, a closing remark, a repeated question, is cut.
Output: 4:40:40
